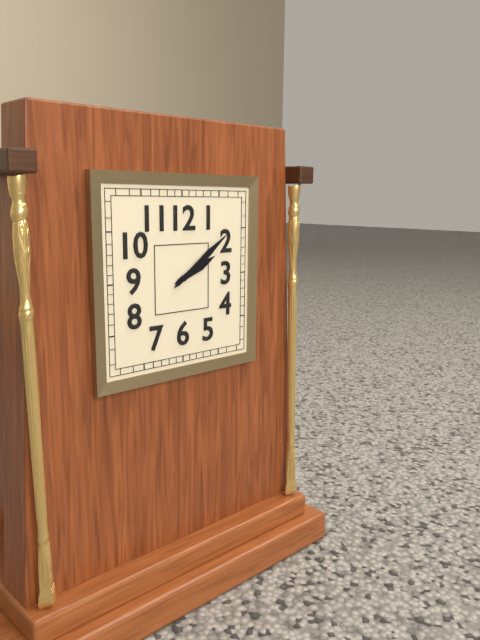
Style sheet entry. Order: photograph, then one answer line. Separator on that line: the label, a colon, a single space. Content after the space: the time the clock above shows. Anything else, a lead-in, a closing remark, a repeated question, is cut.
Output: 2:09
